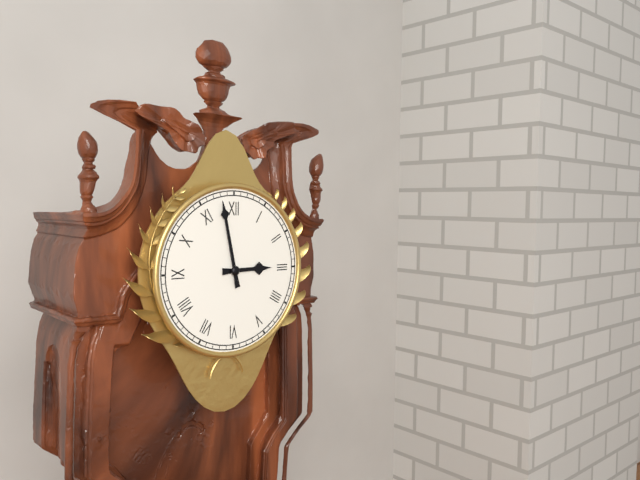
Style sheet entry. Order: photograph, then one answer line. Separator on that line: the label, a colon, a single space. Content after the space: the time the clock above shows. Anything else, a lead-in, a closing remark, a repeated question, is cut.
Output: 2:58
